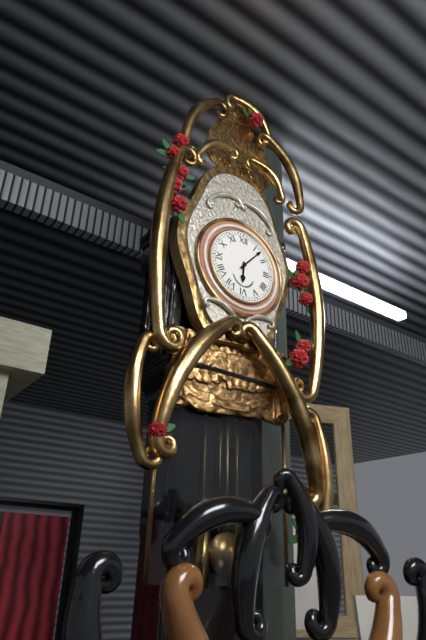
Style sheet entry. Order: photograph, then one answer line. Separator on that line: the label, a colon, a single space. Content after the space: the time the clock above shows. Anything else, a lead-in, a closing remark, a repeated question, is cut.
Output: 6:07
